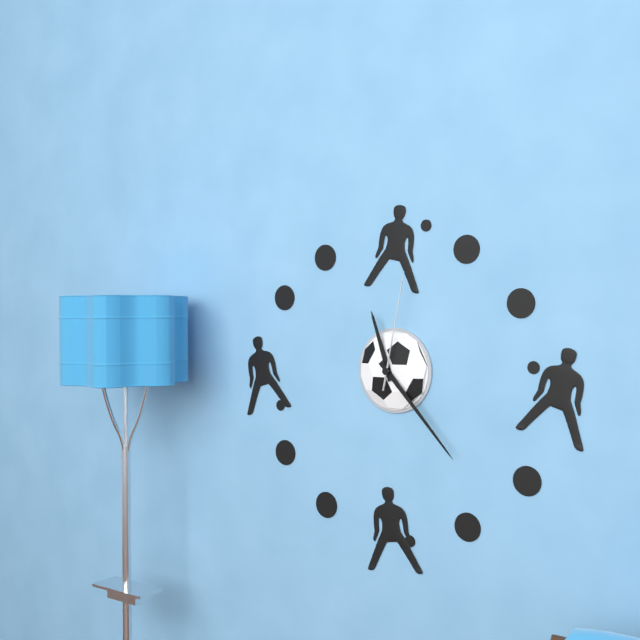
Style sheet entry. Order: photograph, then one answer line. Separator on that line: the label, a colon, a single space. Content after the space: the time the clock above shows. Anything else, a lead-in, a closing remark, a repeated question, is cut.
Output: 11:23:02
